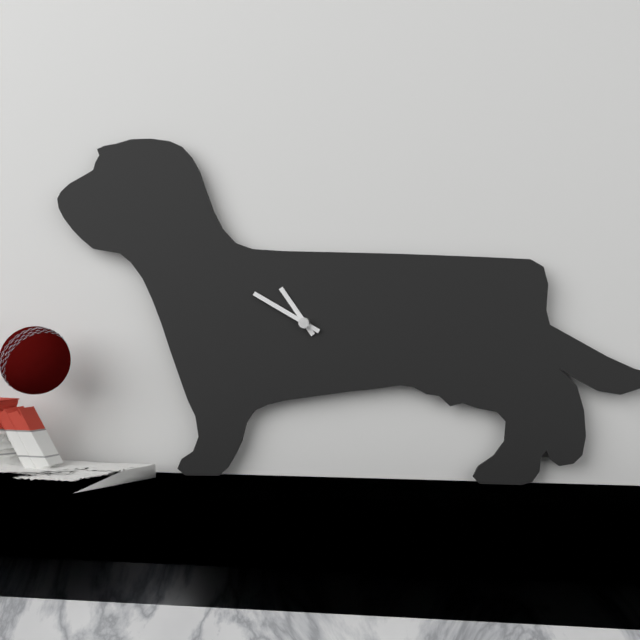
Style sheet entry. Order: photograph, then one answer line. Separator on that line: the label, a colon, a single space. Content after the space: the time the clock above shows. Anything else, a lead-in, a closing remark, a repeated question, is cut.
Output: 10:50
